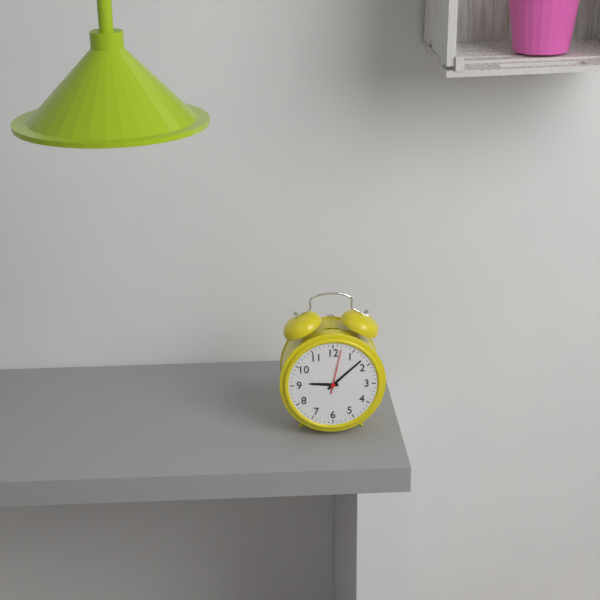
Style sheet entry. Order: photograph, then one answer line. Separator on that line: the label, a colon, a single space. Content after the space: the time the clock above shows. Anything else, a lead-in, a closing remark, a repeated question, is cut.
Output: 9:08
